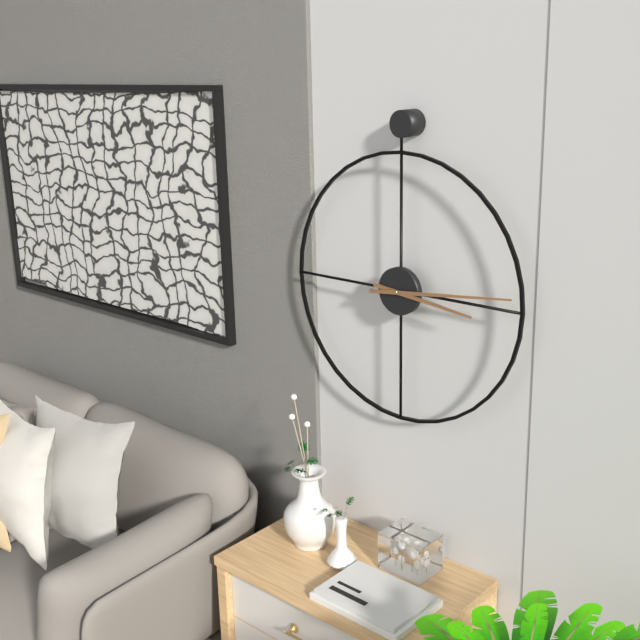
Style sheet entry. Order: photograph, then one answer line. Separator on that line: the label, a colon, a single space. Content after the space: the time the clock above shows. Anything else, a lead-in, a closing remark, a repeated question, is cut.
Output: 3:14
